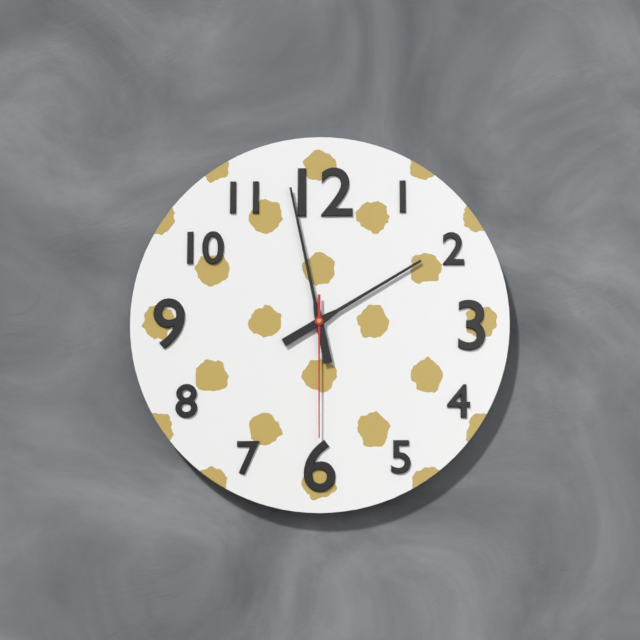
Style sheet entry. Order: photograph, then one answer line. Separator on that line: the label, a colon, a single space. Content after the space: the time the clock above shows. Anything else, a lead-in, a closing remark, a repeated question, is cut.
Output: 1:58:30
